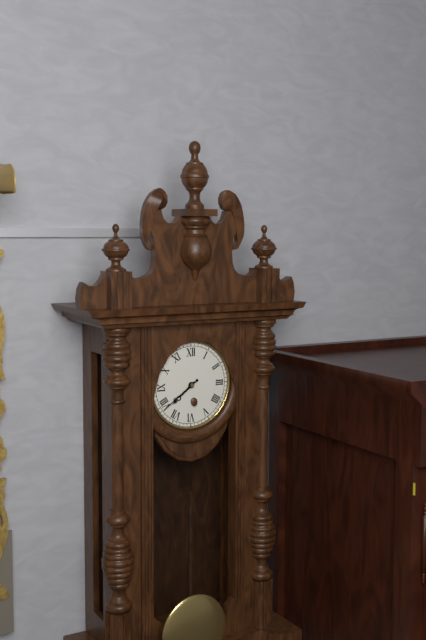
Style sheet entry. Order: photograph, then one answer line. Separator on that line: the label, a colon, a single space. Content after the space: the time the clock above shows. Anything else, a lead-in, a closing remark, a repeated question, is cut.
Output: 7:39
